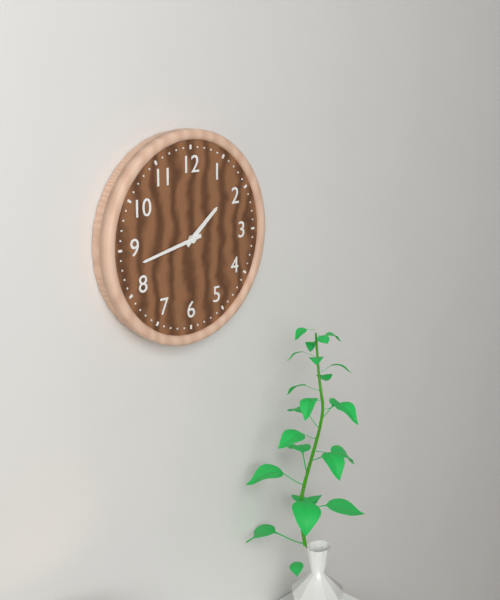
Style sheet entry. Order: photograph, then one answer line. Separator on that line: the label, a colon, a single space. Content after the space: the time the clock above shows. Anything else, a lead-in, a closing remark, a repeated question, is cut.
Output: 1:43
